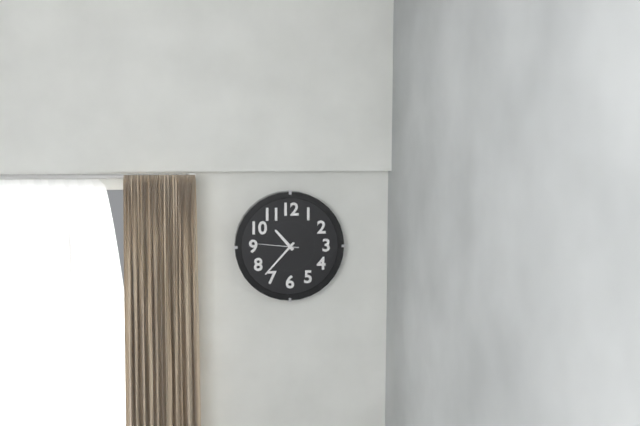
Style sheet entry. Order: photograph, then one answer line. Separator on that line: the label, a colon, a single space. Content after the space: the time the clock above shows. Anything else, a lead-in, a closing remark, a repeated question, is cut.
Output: 10:37
